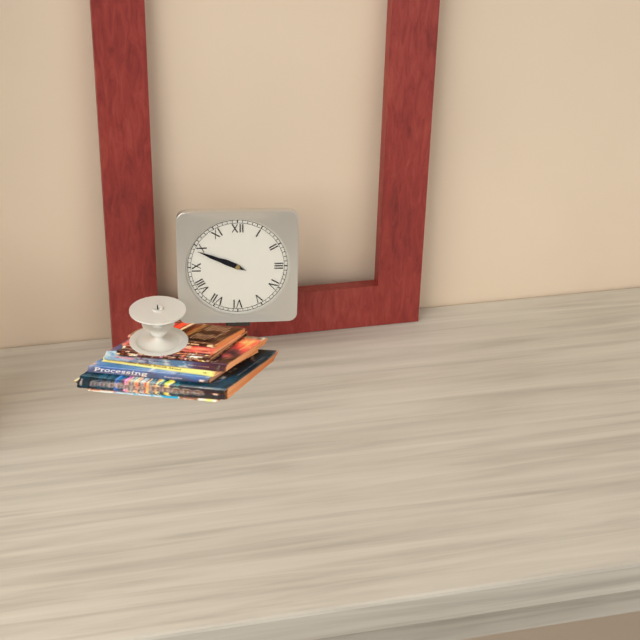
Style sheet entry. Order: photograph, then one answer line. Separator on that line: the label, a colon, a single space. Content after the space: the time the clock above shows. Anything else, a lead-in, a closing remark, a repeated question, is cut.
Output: 9:49
